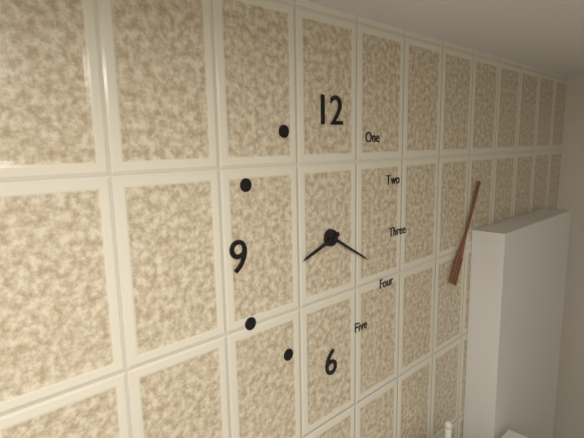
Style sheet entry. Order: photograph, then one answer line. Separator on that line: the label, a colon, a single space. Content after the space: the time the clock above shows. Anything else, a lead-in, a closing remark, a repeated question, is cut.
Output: 8:20
